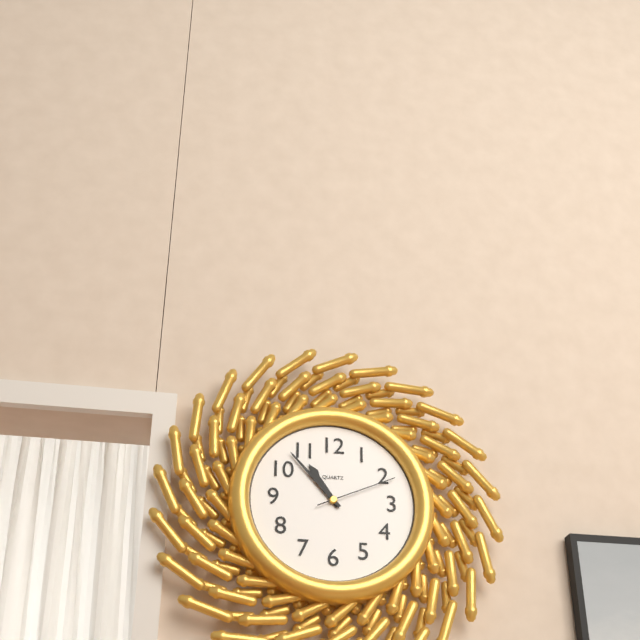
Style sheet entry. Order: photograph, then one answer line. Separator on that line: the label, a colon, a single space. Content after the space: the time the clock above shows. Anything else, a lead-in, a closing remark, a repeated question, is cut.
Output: 10:53:11
